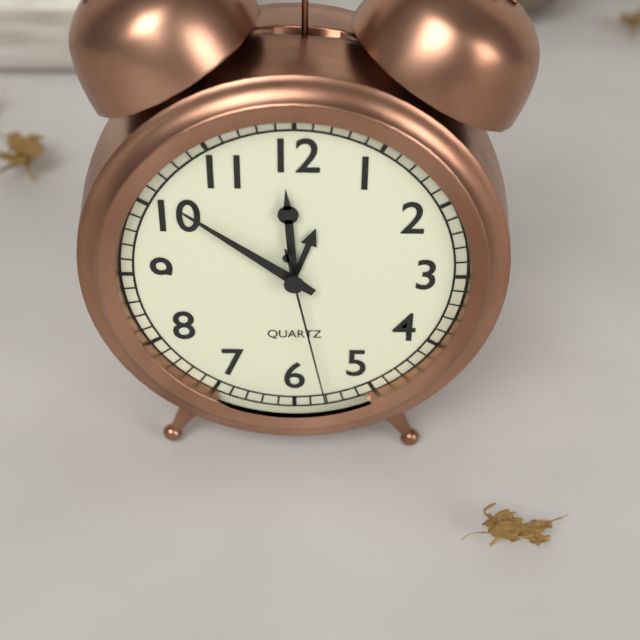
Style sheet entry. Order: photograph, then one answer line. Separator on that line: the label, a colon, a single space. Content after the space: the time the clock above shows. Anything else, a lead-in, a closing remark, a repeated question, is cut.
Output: 11:51:28
